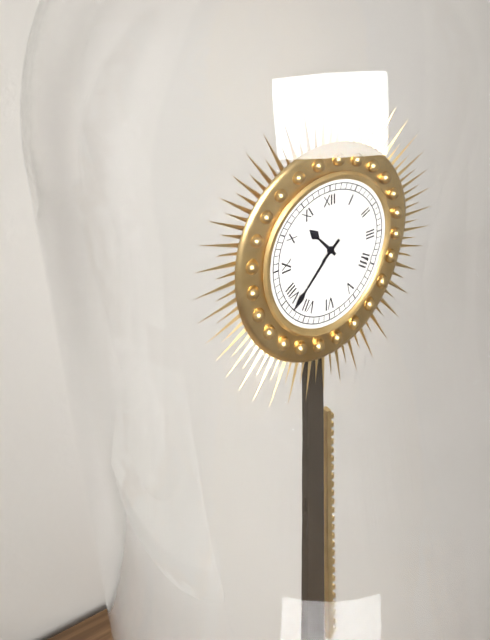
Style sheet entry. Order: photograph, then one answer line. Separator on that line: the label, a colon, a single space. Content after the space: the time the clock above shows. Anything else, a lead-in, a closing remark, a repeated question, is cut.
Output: 10:38
